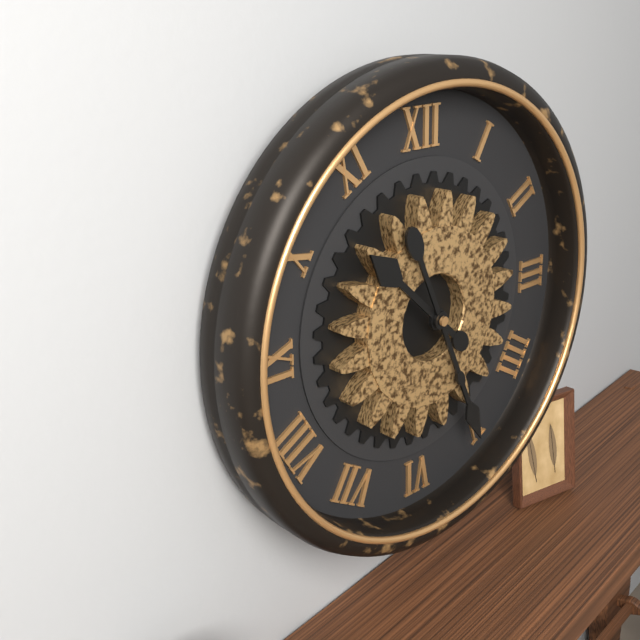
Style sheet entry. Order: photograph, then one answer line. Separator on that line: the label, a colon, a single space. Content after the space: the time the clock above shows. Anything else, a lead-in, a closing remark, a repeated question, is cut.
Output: 10:26
